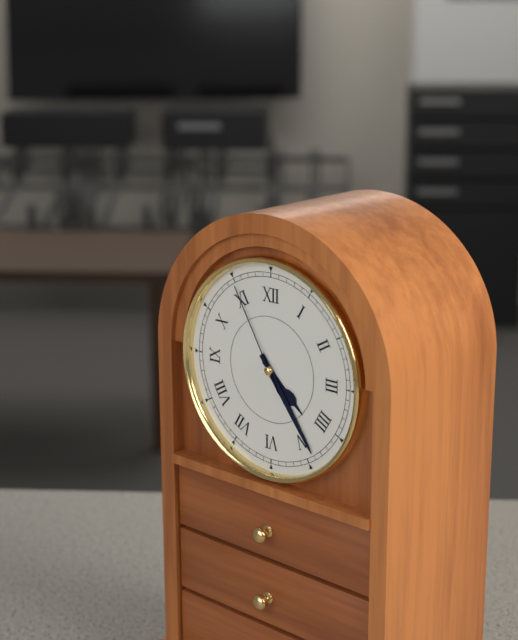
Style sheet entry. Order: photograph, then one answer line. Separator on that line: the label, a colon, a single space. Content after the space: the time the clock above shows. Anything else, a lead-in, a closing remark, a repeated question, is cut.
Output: 4:24:55
